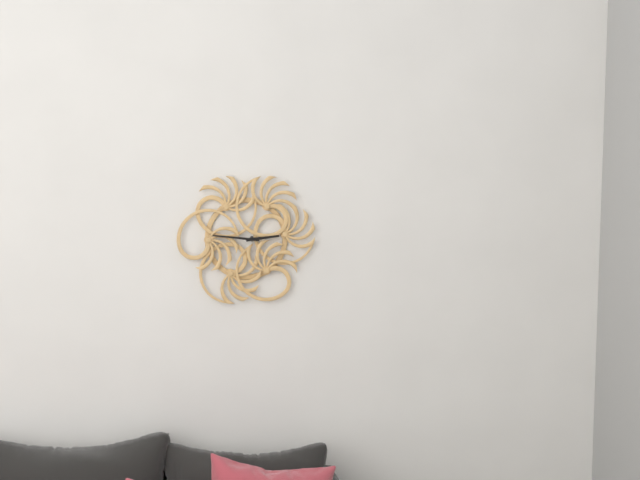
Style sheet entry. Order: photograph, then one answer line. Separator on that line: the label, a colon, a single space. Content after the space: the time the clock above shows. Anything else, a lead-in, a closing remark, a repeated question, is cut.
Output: 2:46
